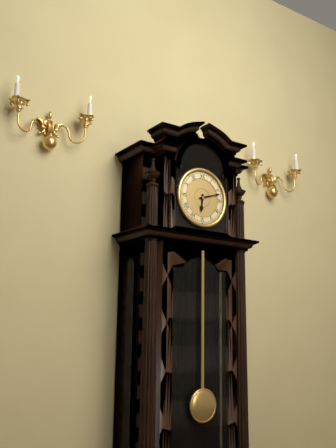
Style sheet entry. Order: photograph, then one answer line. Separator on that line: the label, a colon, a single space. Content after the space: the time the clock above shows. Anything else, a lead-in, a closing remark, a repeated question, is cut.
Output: 6:12
